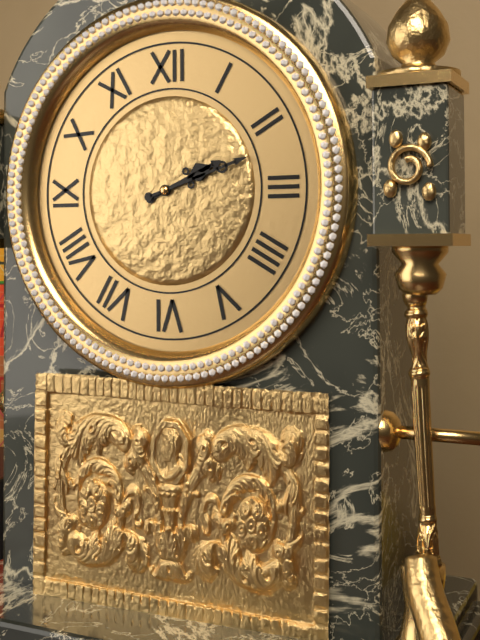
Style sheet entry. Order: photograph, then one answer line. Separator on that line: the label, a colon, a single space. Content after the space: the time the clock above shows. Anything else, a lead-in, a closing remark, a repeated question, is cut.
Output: 2:12
